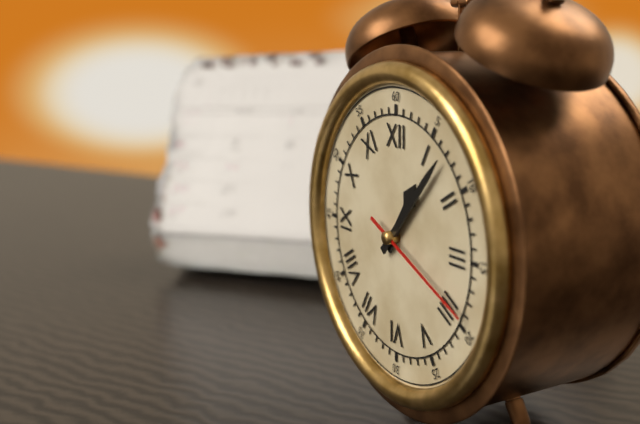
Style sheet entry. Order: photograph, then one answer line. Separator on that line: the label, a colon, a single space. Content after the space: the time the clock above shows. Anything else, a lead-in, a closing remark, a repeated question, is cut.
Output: 1:07:19
